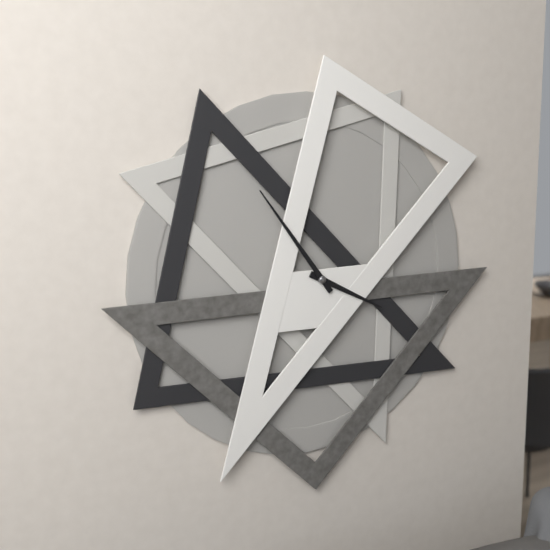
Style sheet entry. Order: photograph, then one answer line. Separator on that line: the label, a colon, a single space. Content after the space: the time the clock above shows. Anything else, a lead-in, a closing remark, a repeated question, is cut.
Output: 3:54
